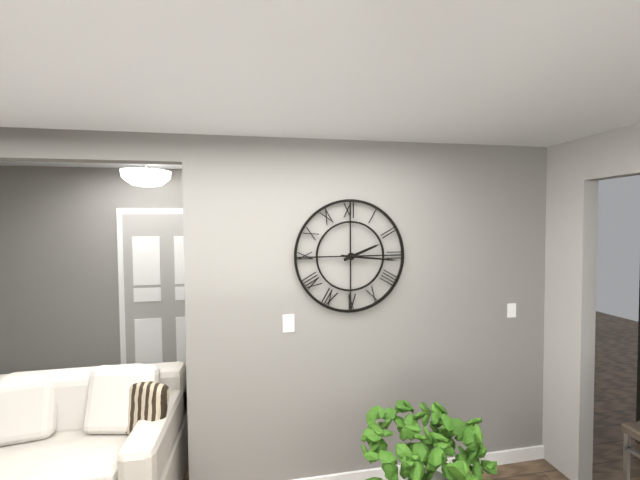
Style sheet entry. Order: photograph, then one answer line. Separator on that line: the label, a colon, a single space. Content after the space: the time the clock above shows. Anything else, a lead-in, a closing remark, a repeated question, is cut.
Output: 2:16
